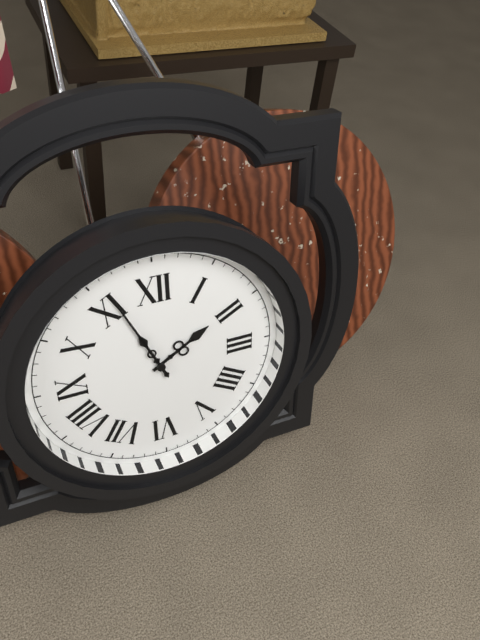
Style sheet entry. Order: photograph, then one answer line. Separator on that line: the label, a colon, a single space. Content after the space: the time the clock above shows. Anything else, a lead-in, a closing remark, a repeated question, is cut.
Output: 1:56
